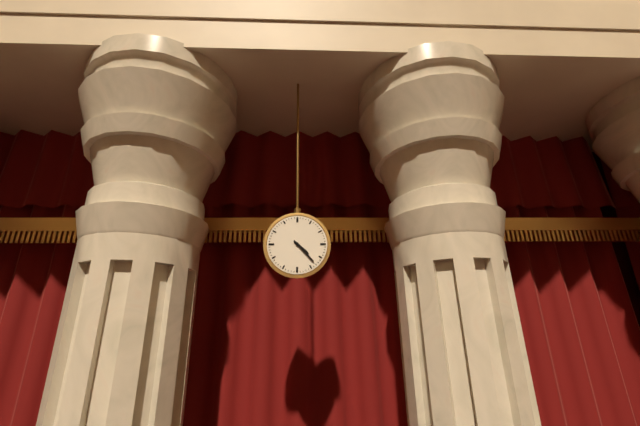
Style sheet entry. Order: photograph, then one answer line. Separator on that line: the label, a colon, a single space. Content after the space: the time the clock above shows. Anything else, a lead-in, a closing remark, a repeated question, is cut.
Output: 4:23
